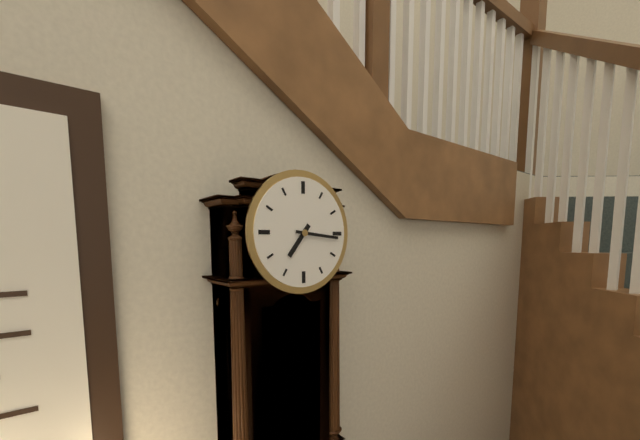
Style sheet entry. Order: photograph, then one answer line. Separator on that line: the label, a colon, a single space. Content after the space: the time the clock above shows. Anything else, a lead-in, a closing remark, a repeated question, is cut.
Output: 7:16
